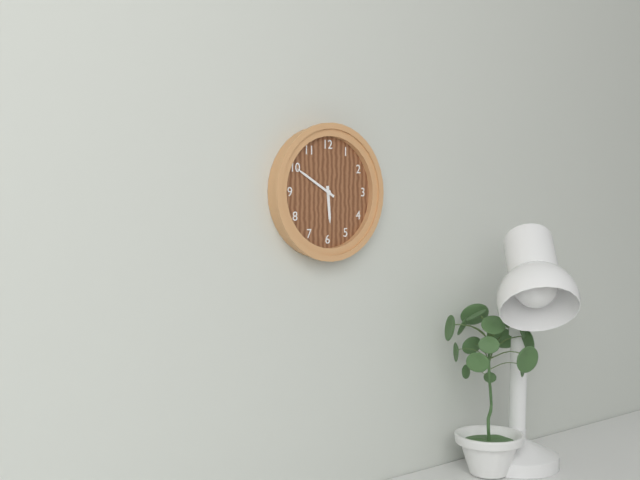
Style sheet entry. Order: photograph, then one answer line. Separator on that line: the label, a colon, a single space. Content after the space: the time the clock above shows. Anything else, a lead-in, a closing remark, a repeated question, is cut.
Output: 5:50
